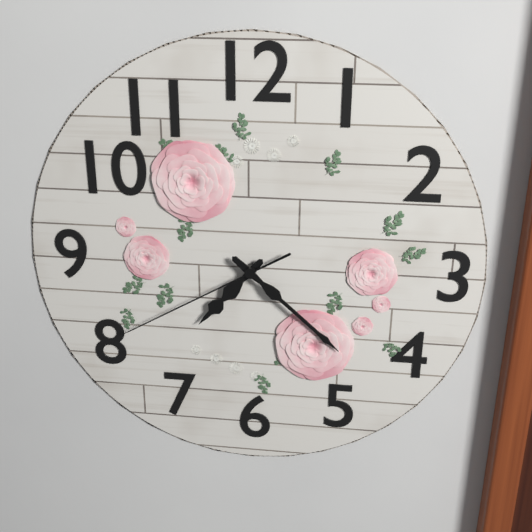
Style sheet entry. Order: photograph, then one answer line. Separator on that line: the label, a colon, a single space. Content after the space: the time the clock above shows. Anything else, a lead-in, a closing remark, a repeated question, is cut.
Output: 7:22:40
